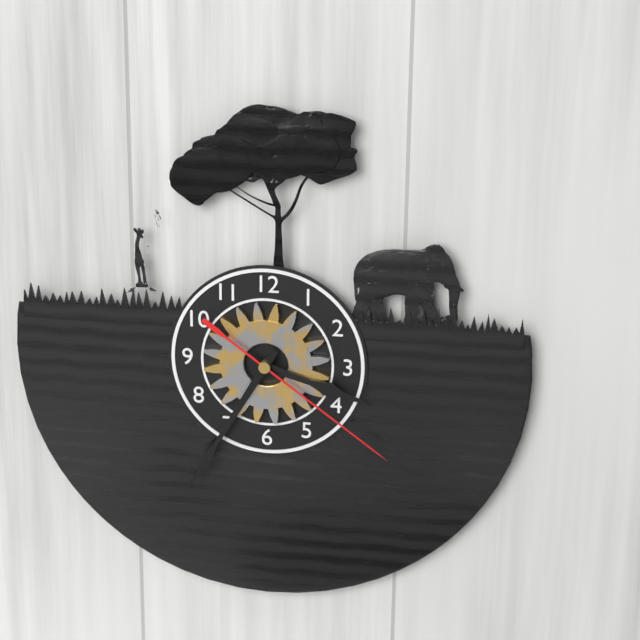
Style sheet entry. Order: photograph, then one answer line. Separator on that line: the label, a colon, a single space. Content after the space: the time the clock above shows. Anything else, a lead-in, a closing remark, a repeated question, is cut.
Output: 3:35:21
